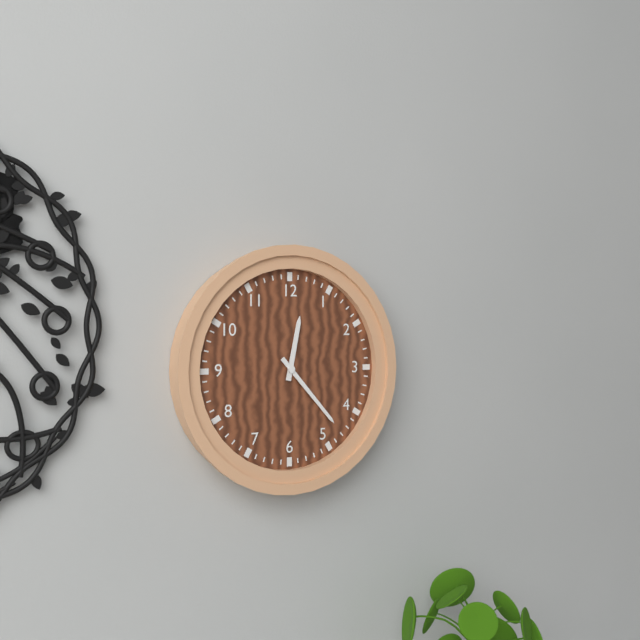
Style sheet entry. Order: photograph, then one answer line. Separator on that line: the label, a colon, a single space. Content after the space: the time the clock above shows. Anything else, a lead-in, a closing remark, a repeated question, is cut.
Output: 12:23
